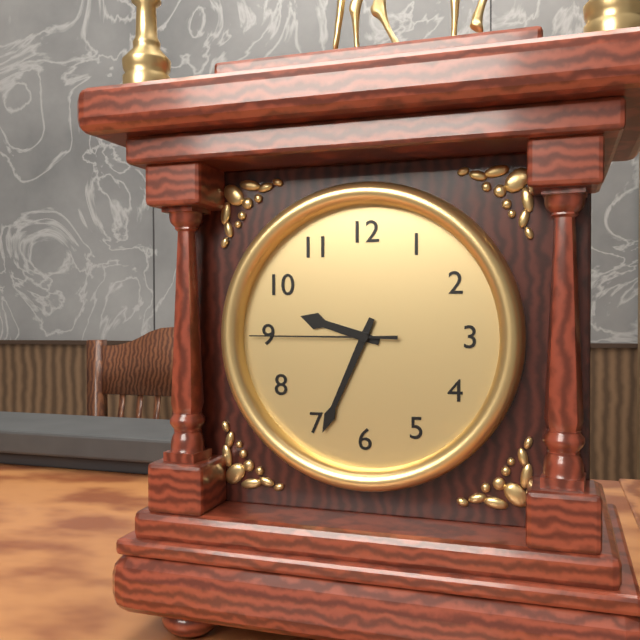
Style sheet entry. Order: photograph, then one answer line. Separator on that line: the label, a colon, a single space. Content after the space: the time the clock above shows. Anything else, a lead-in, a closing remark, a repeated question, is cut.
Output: 9:34:45
